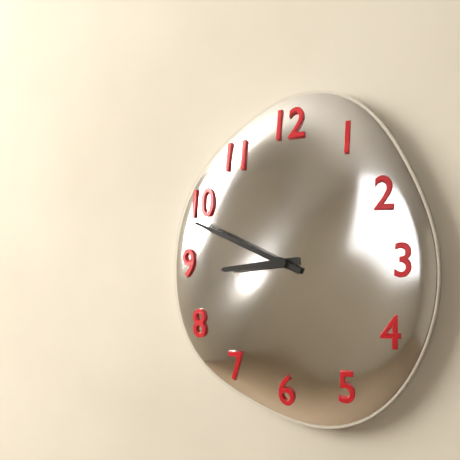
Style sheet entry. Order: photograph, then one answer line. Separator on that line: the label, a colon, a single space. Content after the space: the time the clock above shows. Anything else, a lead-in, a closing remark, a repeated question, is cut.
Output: 8:49
